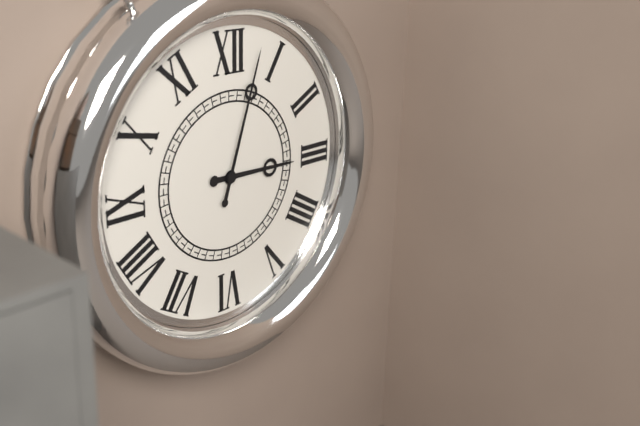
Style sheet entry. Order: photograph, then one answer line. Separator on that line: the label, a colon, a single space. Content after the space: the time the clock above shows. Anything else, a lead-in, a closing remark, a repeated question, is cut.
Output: 3:03
